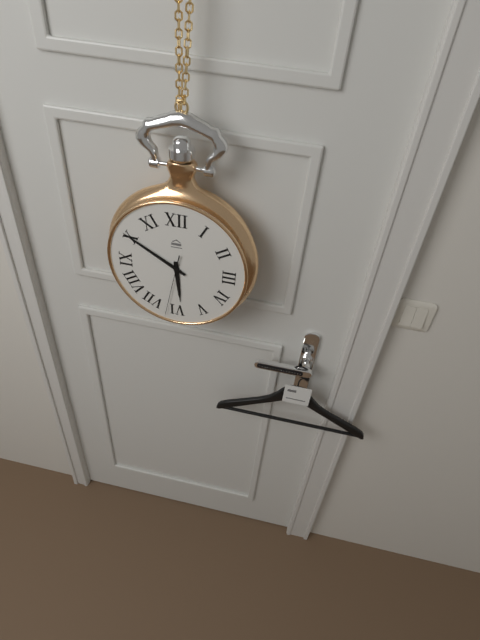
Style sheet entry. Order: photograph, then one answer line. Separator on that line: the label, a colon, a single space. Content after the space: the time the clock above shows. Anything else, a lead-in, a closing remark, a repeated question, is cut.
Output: 5:50:32
